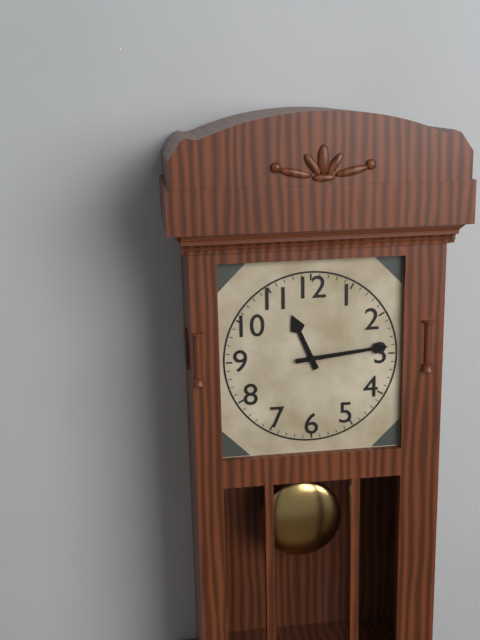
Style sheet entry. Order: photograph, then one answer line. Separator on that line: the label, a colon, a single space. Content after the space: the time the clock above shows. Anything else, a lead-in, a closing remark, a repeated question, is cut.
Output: 11:14
